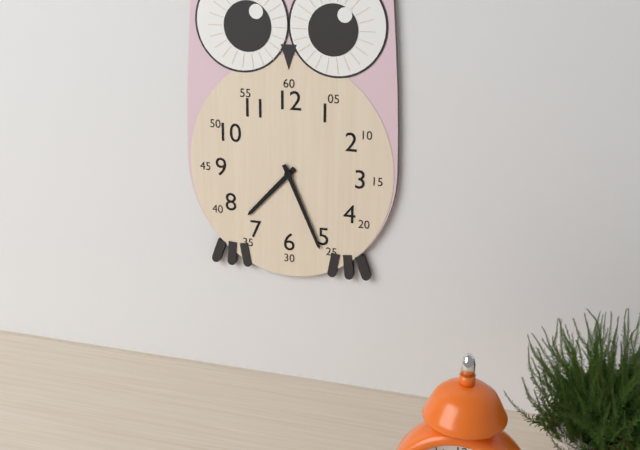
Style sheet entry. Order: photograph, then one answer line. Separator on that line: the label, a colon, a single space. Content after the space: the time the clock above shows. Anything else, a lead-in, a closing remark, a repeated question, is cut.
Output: 7:26
